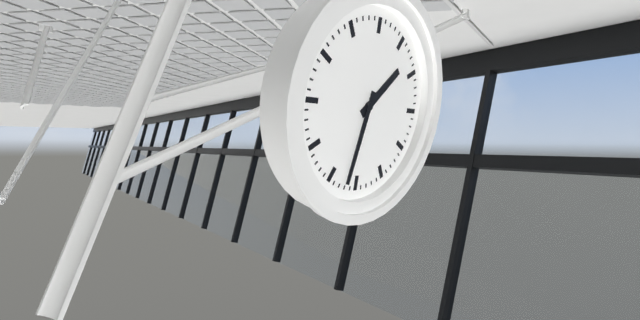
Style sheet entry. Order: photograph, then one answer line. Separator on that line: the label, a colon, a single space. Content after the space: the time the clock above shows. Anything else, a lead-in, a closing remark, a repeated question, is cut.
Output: 1:32
